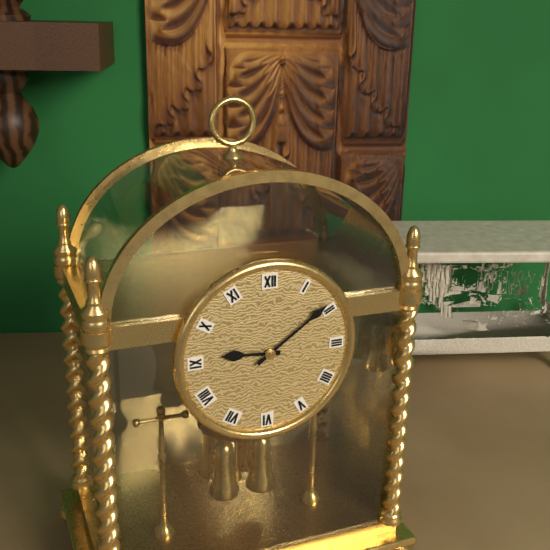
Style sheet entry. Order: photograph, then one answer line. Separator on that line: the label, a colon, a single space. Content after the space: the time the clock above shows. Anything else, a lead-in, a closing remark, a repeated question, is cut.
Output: 9:09
